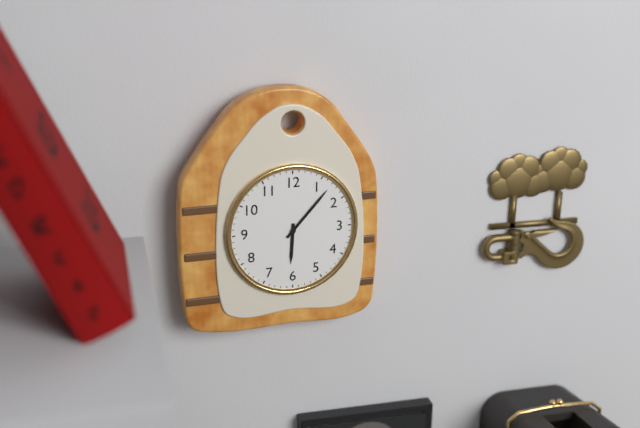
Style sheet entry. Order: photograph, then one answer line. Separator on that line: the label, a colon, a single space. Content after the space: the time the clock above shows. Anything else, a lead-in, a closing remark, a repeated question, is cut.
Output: 6:07
